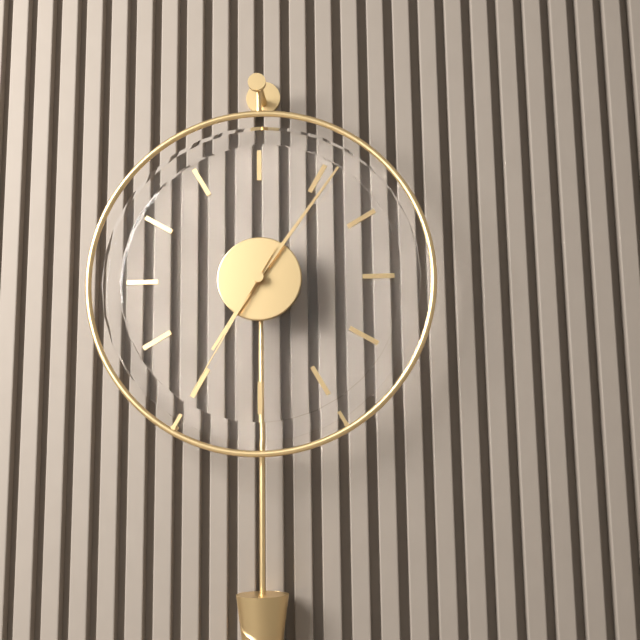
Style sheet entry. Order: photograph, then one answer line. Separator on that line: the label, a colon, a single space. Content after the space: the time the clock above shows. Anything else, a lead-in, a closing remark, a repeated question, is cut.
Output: 7:06:35
